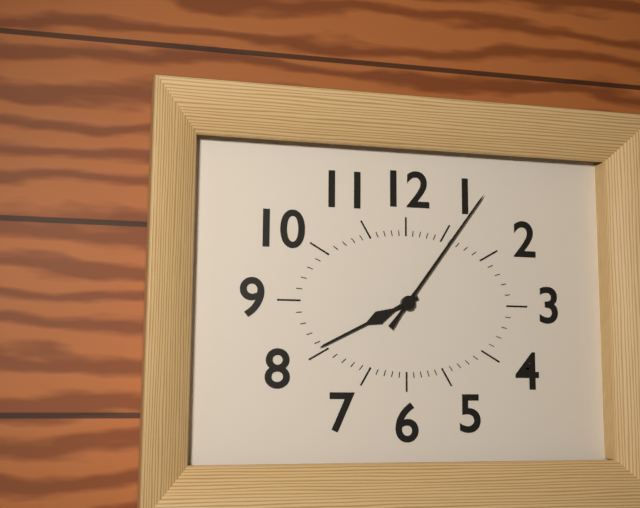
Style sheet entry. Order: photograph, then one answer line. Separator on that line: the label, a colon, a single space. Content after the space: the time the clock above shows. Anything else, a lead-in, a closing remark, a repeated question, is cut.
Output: 8:06
